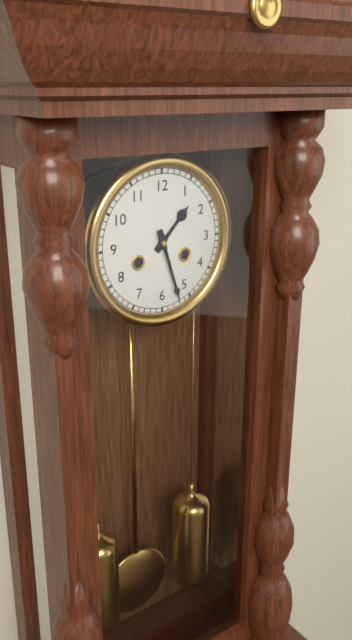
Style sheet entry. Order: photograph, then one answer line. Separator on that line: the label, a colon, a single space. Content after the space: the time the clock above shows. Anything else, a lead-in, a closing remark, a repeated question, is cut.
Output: 1:27
